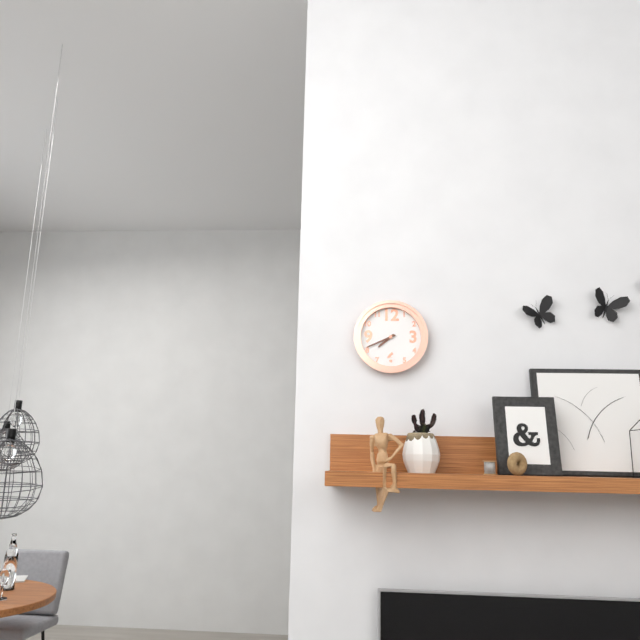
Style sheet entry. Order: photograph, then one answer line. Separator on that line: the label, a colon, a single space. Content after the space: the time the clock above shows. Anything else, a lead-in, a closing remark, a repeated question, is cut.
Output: 7:41
